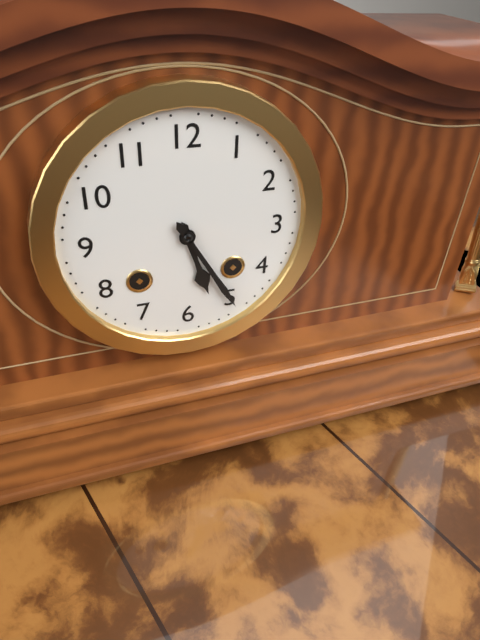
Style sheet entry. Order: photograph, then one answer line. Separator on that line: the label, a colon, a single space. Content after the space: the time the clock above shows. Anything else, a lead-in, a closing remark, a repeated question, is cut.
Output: 5:25
